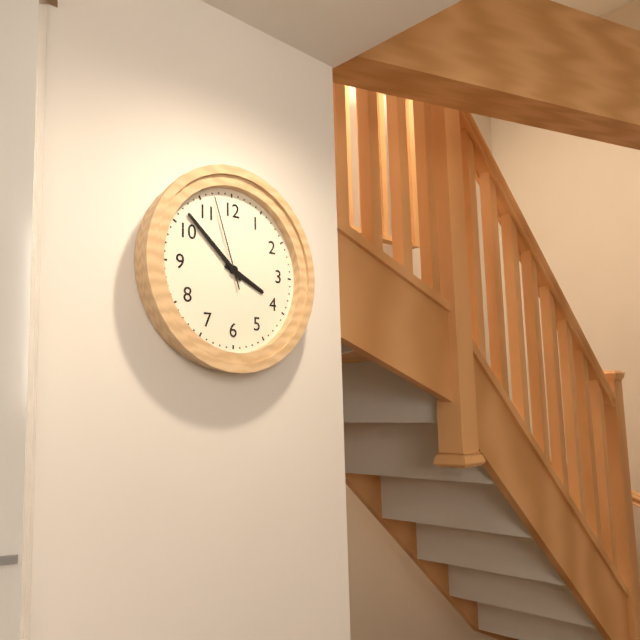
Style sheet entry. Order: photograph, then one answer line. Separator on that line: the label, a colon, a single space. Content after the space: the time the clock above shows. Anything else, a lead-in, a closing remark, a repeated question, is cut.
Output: 3:52:57
